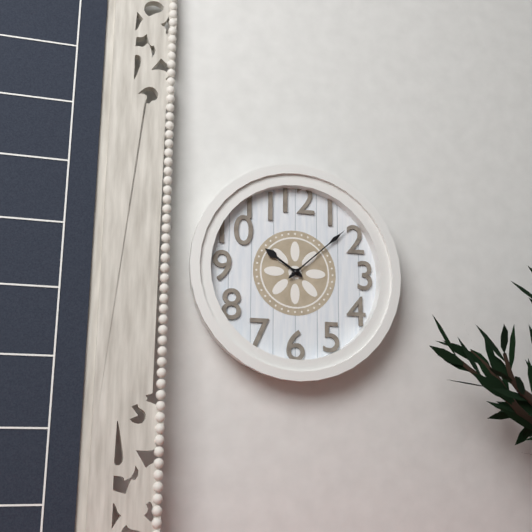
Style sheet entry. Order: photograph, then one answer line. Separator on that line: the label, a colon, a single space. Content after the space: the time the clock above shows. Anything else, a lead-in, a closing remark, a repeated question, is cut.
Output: 10:08
